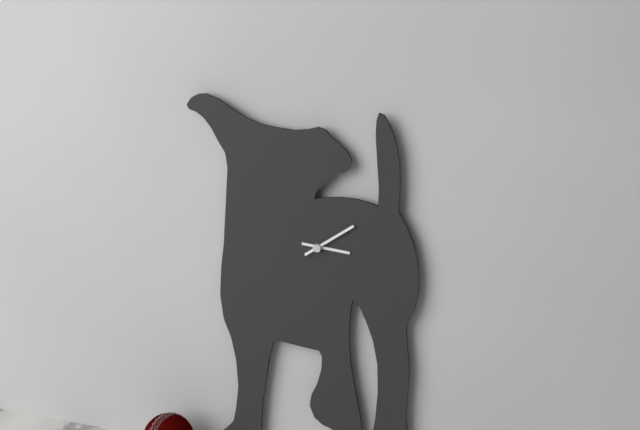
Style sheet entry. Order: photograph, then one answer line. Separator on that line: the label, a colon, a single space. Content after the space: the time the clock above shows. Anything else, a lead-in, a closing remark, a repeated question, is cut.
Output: 3:09
